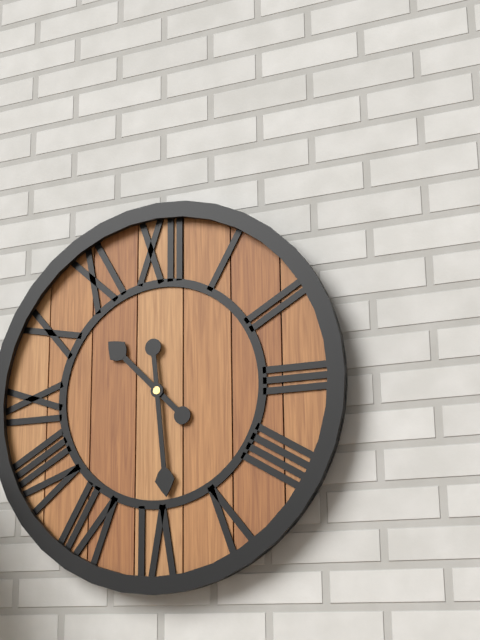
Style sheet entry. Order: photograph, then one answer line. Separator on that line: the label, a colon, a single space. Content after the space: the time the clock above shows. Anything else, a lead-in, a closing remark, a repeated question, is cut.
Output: 10:29
